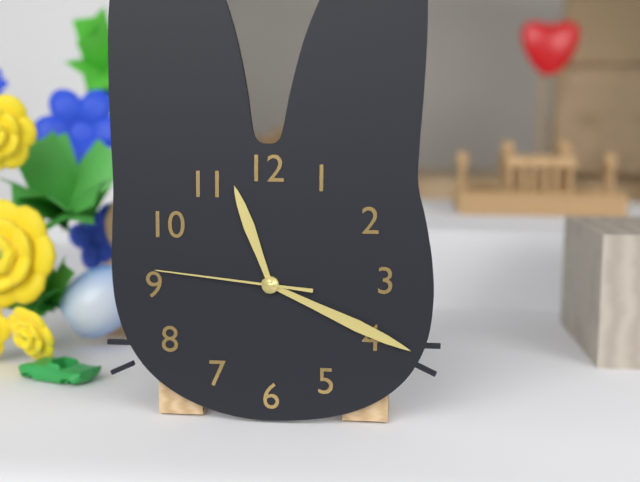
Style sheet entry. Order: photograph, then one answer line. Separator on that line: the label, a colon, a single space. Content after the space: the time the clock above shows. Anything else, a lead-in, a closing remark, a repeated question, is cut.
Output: 11:19:46
